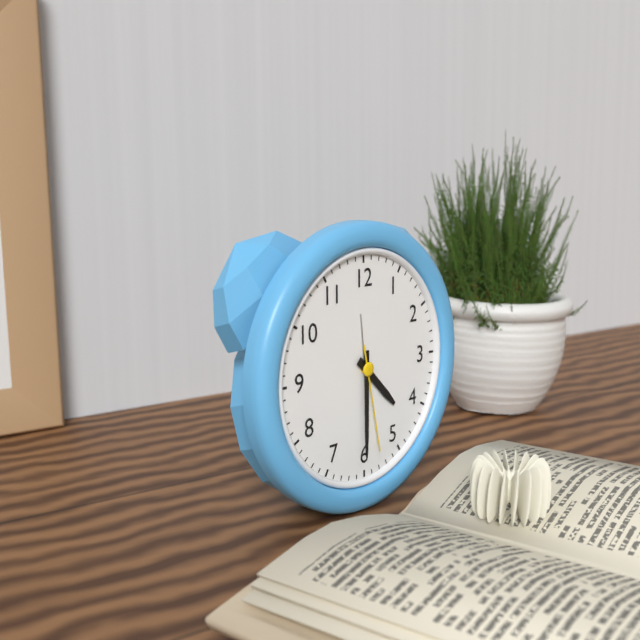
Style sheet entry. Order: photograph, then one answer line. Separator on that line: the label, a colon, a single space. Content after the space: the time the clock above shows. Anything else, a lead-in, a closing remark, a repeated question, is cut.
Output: 4:30:28
